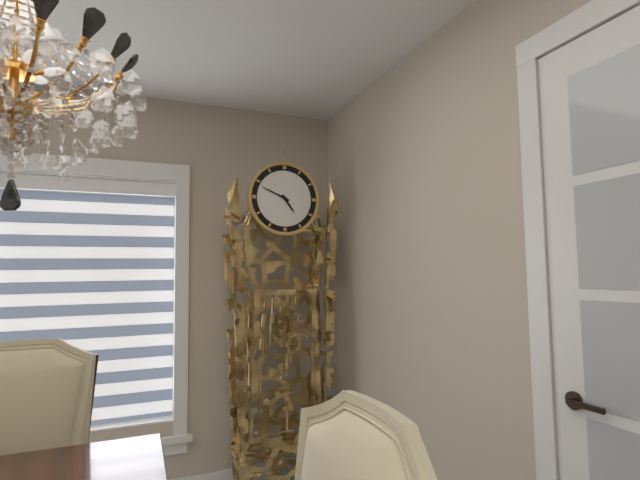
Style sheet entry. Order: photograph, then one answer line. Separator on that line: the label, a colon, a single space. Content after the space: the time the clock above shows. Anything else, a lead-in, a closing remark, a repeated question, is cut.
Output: 4:49
